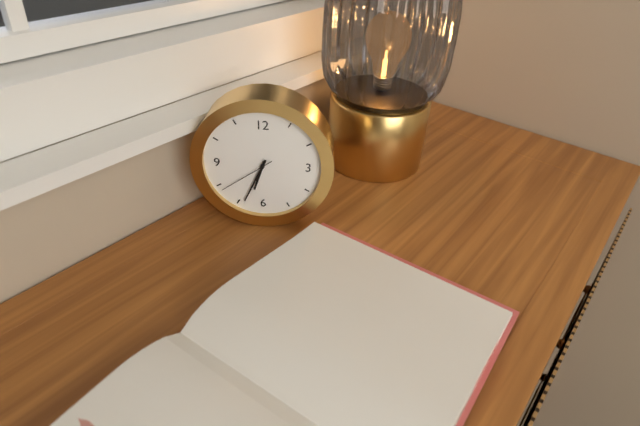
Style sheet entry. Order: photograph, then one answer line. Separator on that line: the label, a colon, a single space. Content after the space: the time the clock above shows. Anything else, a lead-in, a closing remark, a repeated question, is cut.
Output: 6:34:39
